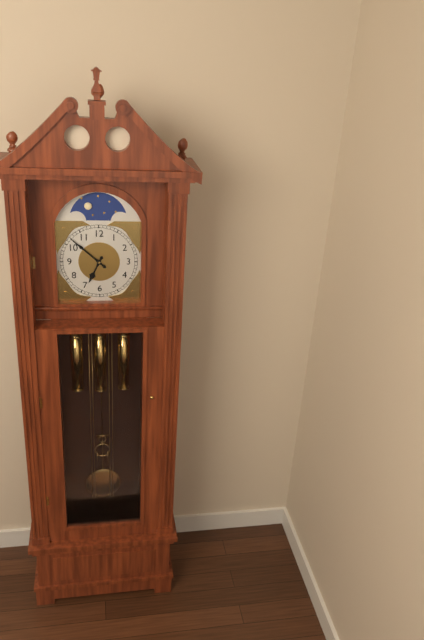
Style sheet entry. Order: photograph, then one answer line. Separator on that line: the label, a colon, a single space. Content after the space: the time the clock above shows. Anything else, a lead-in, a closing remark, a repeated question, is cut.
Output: 6:52
